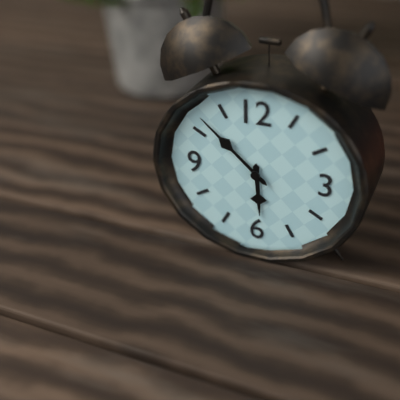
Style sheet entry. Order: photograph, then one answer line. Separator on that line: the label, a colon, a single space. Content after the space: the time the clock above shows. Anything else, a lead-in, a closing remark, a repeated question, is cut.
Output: 5:52
